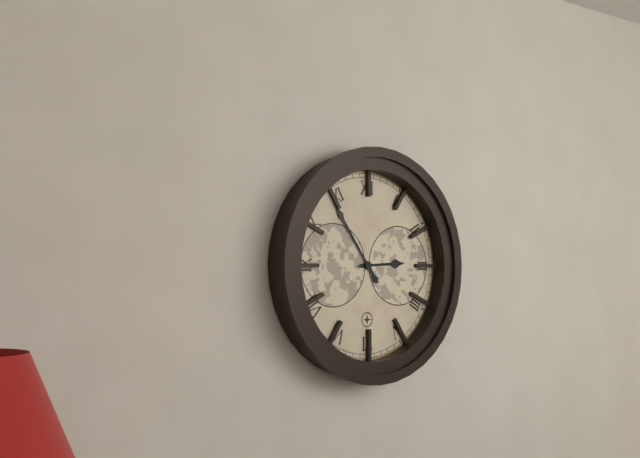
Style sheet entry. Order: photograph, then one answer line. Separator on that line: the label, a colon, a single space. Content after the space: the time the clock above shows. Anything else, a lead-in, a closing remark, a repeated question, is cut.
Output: 2:54
